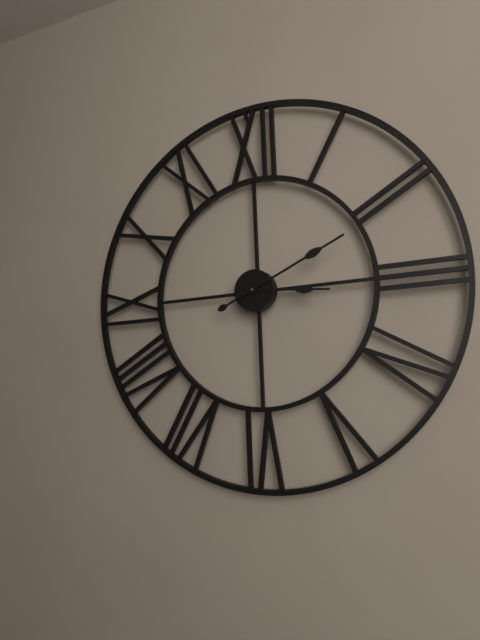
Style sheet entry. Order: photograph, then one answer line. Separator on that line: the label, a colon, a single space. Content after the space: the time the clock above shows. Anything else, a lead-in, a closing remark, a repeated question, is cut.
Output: 3:11
